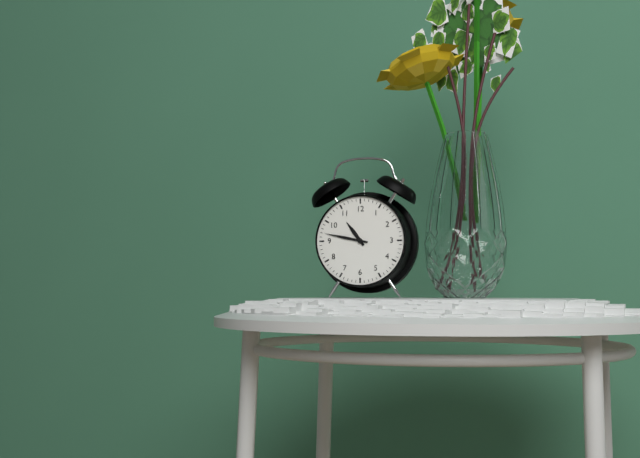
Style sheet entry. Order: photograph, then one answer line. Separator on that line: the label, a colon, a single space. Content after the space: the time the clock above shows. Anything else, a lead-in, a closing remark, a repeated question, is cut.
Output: 10:47
